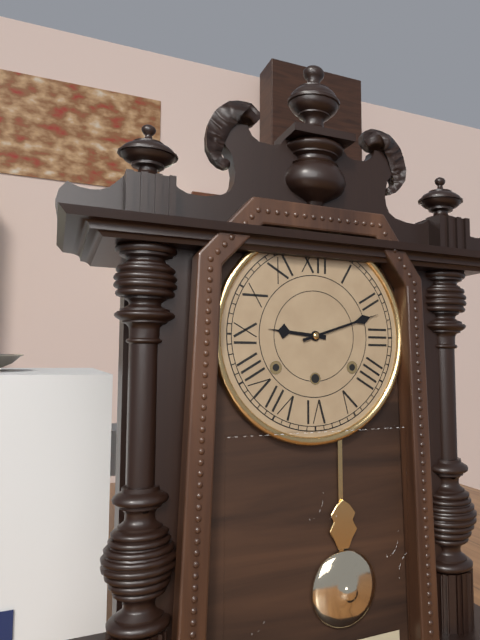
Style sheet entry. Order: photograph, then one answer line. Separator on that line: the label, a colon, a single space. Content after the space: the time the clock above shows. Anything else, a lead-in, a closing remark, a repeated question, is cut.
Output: 9:12
